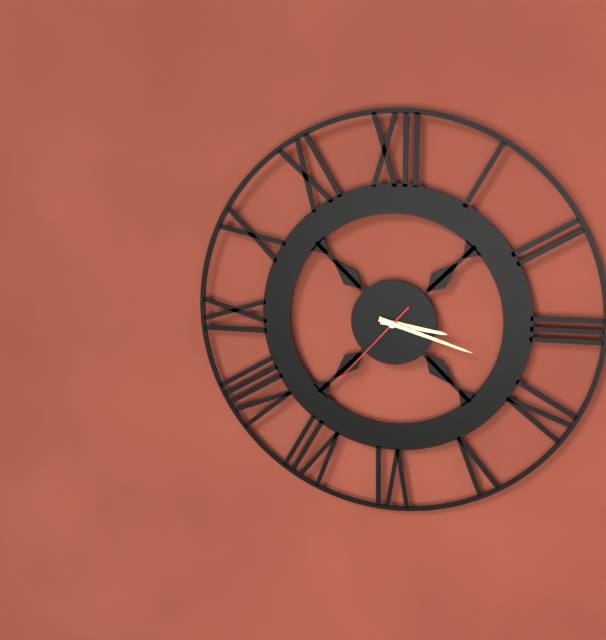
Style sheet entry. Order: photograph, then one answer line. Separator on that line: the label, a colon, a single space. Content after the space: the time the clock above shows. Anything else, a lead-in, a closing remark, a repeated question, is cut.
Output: 3:18:37
